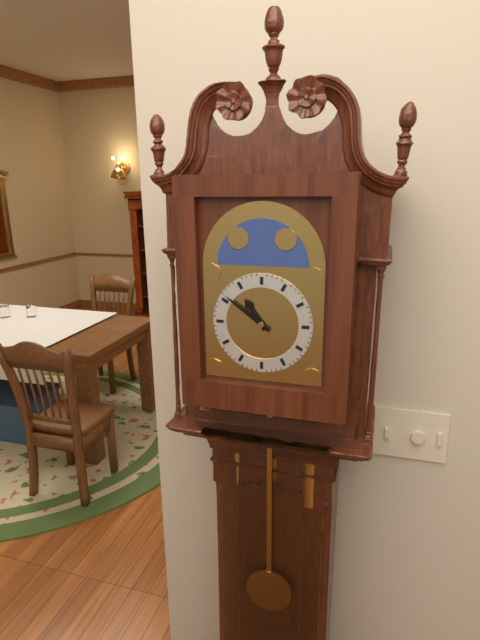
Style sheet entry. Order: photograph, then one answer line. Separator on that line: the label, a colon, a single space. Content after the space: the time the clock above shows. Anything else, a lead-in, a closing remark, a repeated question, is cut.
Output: 10:51
